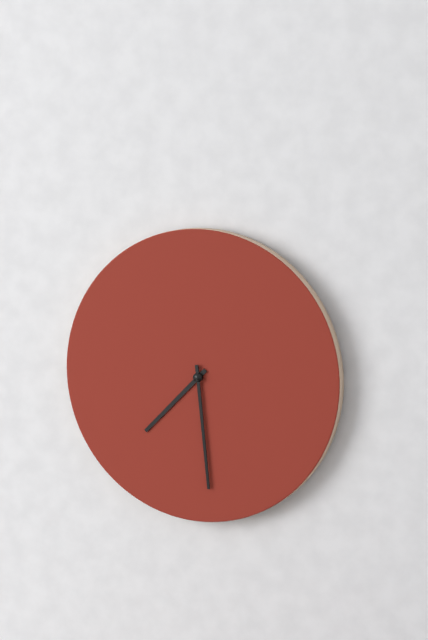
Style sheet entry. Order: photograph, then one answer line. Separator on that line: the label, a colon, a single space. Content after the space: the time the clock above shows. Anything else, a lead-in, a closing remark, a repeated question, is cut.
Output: 7:29
